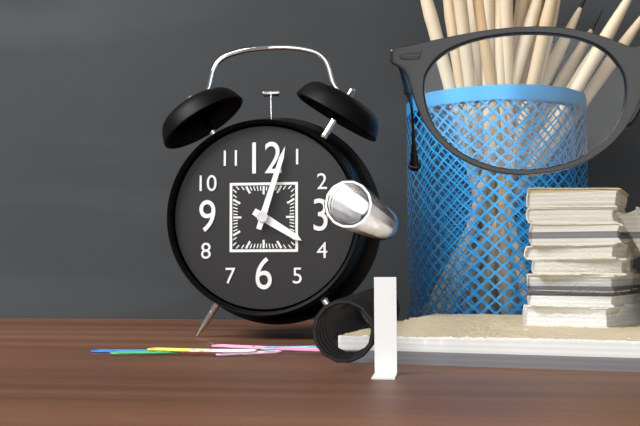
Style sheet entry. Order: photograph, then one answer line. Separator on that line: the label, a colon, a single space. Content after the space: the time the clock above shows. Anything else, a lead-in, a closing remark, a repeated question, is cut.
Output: 4:03
